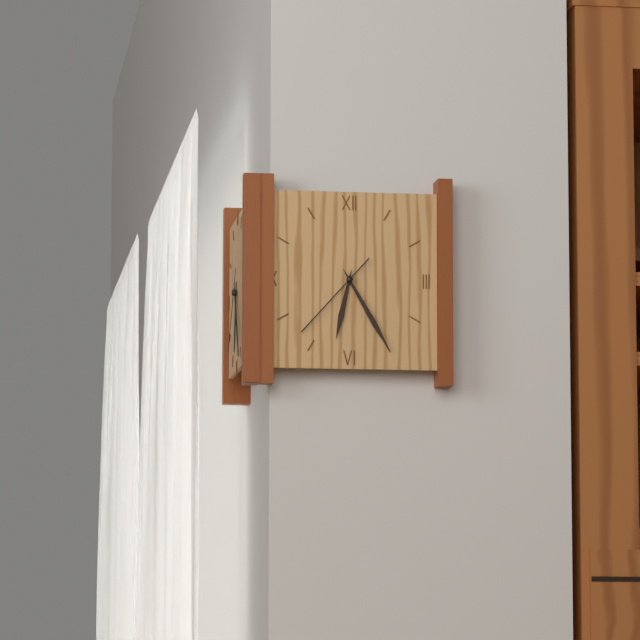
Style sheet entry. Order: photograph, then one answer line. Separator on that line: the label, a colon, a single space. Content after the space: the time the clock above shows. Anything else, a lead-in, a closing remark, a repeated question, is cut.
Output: 6:25:37
